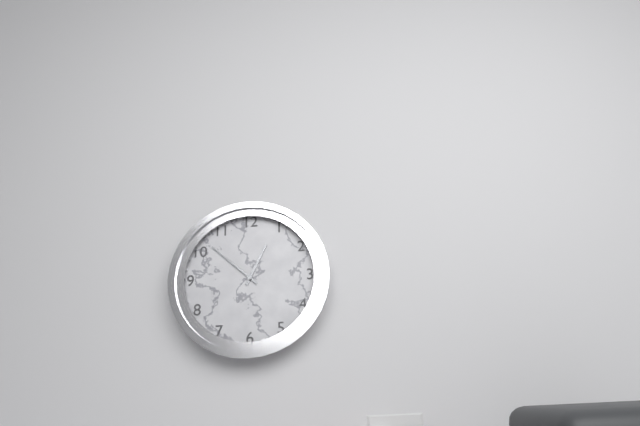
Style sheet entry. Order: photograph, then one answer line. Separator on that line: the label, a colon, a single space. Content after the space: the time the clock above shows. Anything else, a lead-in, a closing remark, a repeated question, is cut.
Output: 12:52
